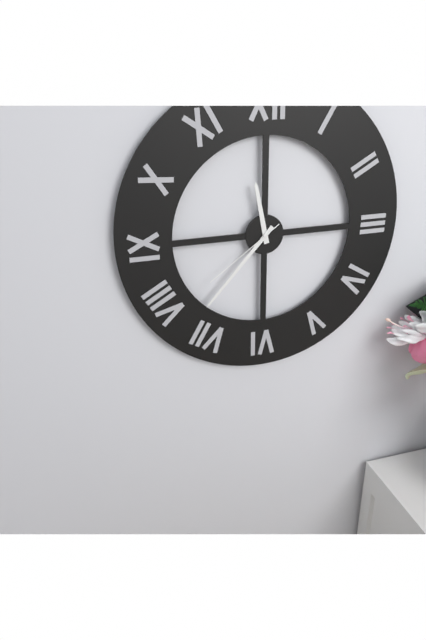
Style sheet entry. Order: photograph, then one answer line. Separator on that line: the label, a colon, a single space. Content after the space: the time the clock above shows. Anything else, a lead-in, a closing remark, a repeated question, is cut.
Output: 11:37:39
